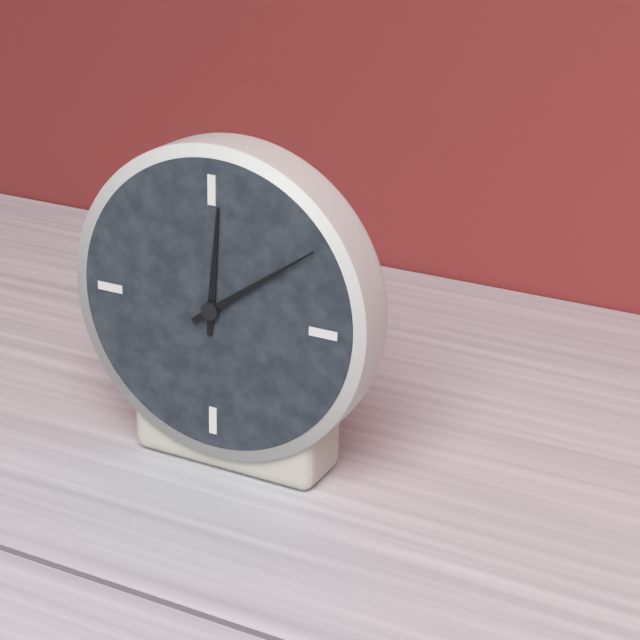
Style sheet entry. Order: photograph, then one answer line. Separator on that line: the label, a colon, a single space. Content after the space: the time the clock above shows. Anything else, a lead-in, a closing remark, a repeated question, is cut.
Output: 12:09
